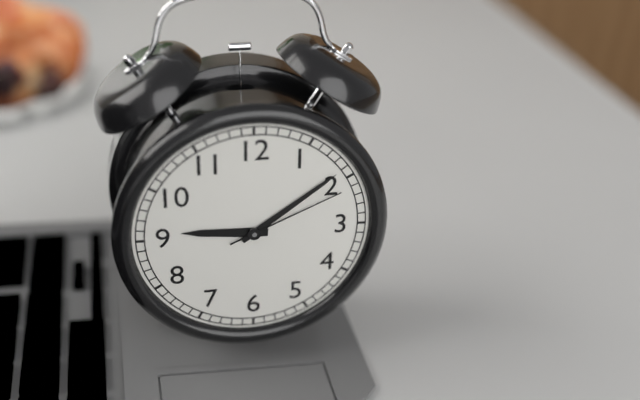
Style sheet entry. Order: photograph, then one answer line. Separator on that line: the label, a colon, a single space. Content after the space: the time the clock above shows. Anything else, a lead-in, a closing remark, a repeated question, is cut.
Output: 9:09:11
